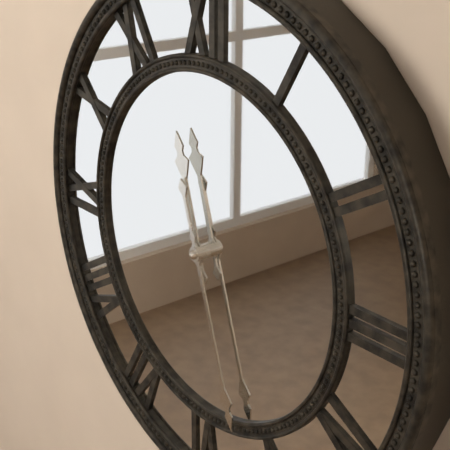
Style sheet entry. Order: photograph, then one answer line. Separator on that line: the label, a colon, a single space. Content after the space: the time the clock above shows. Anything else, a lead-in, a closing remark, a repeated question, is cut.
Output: 11:27
